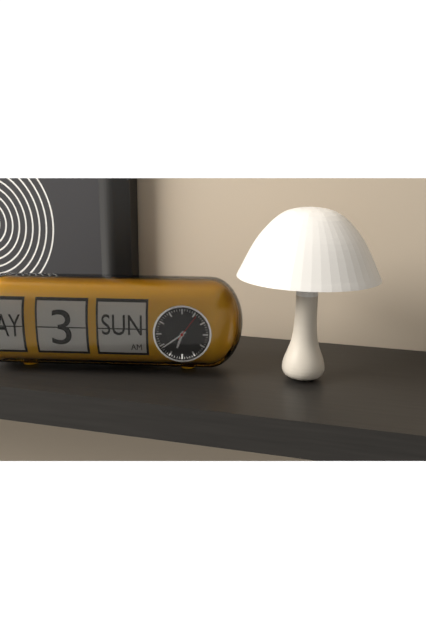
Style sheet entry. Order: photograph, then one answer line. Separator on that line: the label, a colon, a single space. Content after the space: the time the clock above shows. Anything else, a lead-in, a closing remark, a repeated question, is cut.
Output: 6:39
